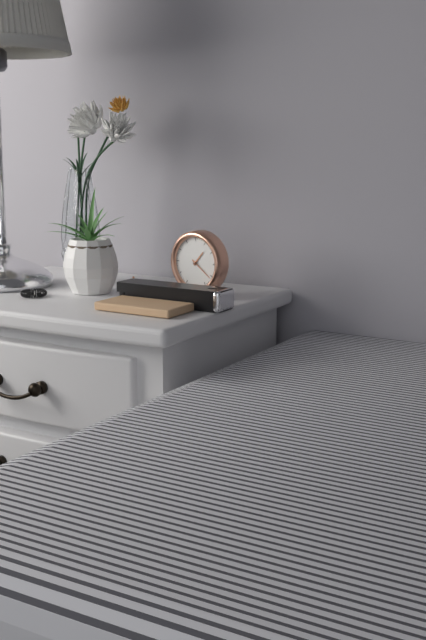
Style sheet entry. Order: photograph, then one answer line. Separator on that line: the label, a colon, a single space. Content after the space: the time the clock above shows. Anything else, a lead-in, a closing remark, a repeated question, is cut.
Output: 1:21
